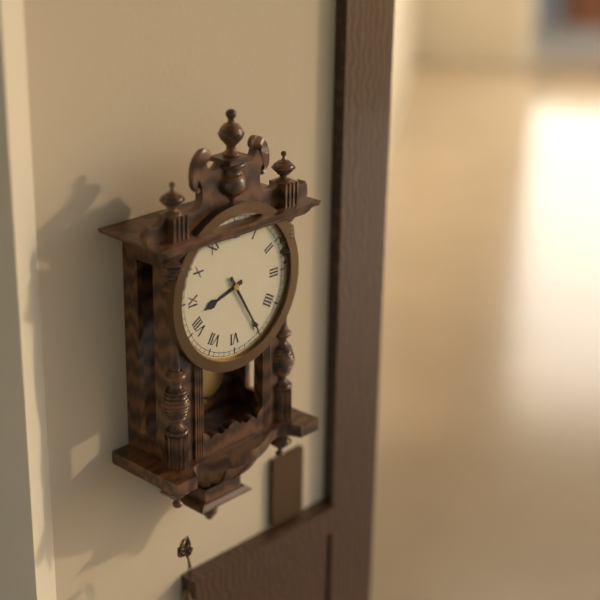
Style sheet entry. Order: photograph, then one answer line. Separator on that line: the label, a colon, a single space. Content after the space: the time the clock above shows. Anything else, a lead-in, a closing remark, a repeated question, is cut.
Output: 8:25
